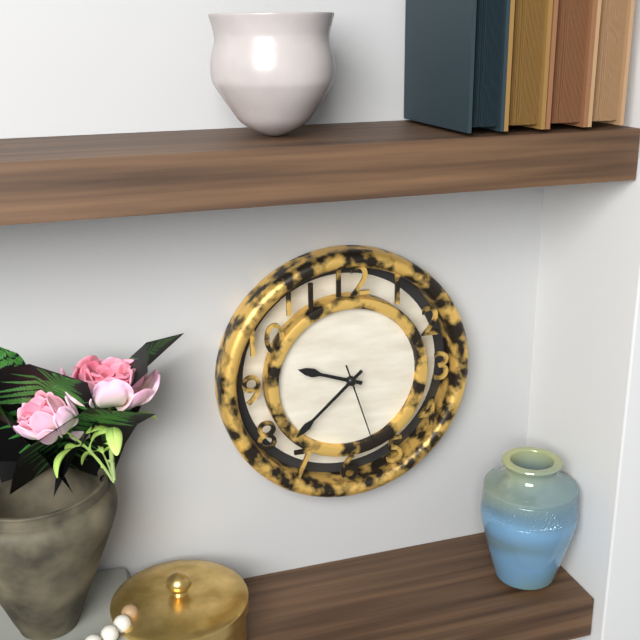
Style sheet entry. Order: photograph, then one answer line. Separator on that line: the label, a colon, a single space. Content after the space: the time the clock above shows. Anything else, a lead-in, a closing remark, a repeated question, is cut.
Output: 9:38:27
